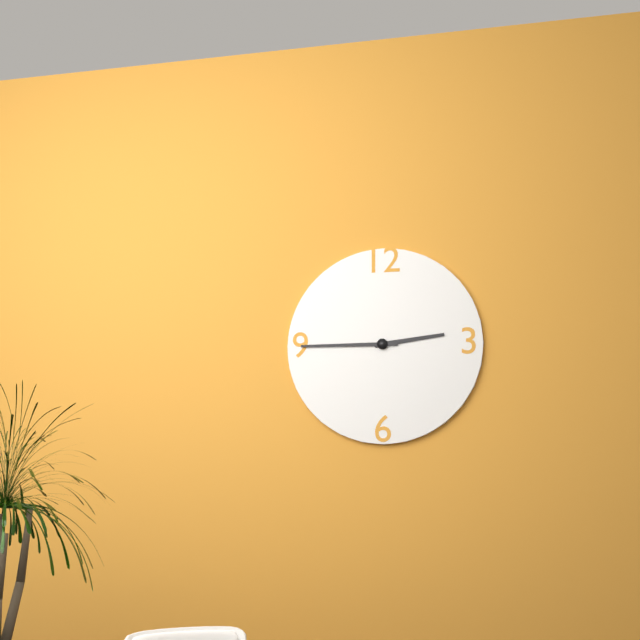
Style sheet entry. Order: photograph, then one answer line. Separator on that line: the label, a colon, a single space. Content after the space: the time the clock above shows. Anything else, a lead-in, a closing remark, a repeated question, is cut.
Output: 2:45
